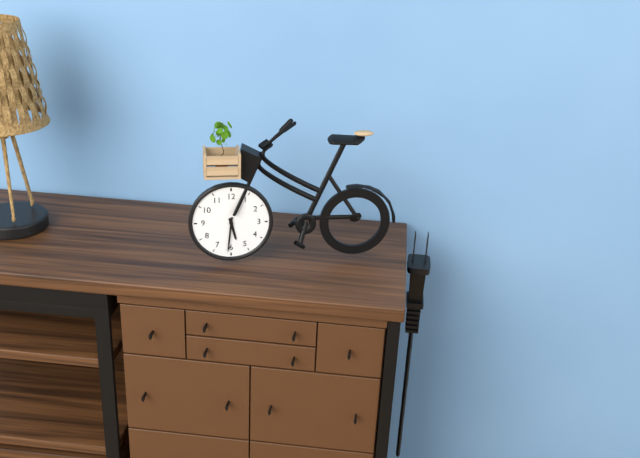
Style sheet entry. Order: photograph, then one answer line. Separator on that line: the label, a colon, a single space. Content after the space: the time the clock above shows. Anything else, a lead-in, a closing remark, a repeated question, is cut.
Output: 5:31
